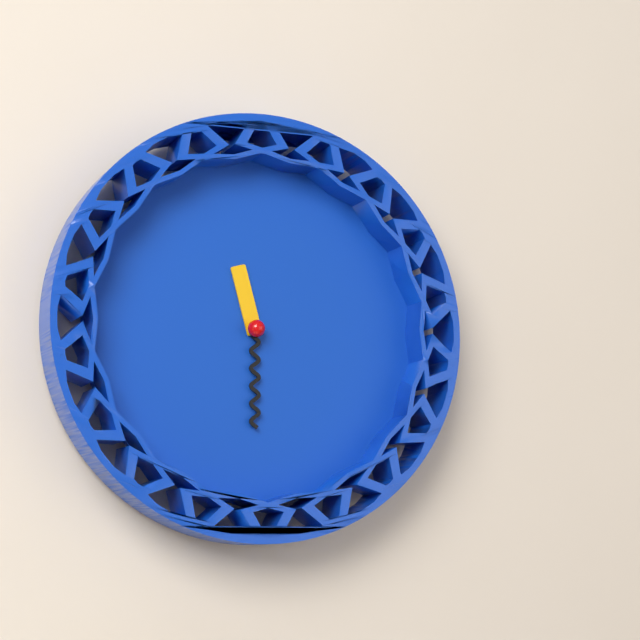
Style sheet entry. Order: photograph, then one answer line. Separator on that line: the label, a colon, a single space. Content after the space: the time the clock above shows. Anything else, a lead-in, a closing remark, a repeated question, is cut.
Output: 11:30
